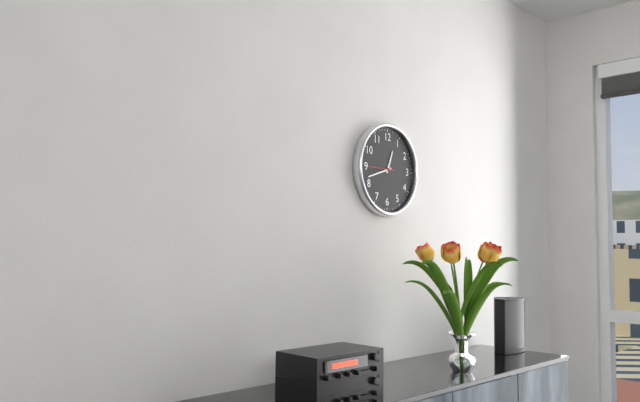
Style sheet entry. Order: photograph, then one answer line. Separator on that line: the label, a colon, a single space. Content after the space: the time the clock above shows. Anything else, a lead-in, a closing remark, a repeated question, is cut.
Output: 12:42
